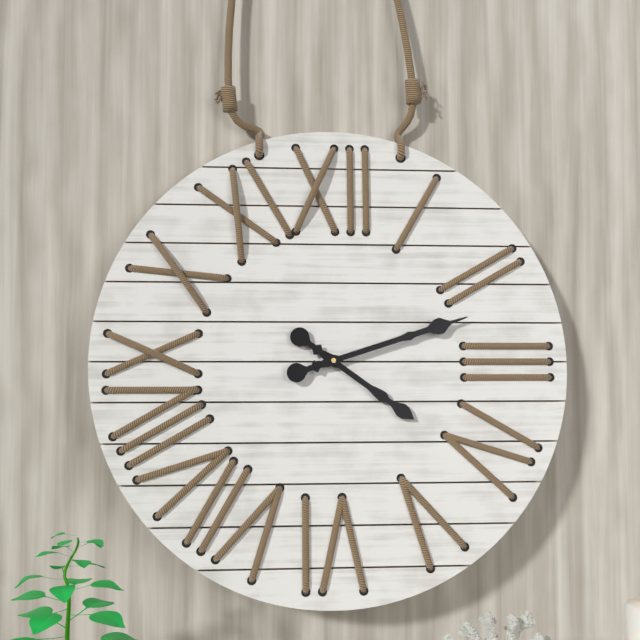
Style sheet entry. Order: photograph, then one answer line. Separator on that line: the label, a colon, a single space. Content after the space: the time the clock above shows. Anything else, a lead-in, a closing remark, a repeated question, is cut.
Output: 4:12
